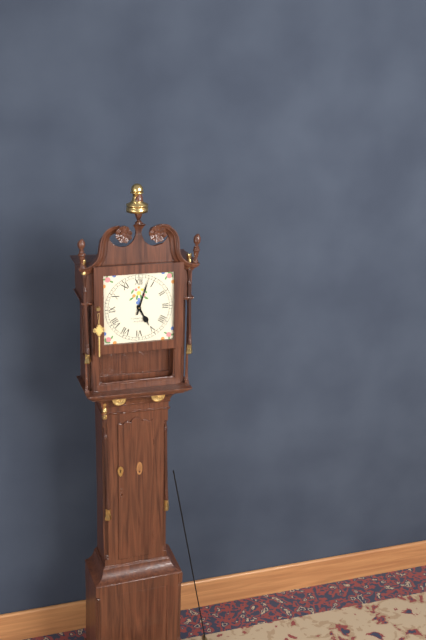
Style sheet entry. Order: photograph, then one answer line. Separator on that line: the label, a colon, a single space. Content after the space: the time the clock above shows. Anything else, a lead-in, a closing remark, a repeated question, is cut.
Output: 5:03
